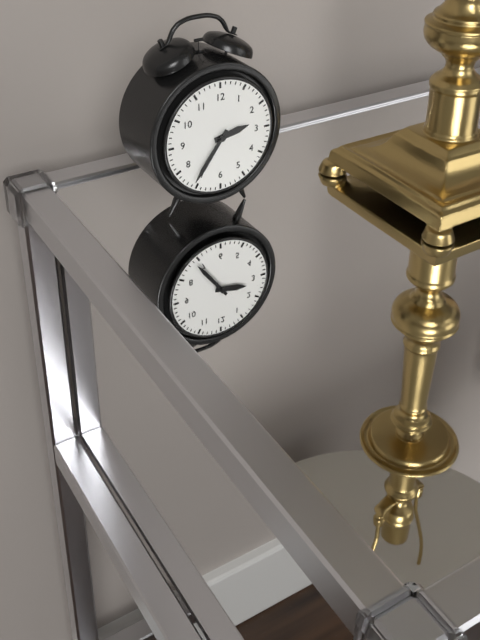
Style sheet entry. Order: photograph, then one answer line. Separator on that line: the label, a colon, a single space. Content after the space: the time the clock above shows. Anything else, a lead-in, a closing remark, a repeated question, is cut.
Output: 2:36
